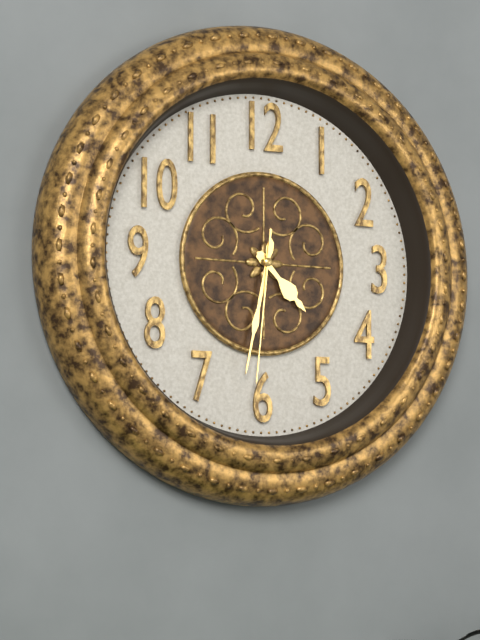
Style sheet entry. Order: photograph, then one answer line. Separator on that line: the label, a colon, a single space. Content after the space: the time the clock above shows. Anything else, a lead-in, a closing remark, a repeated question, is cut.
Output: 4:32:31
